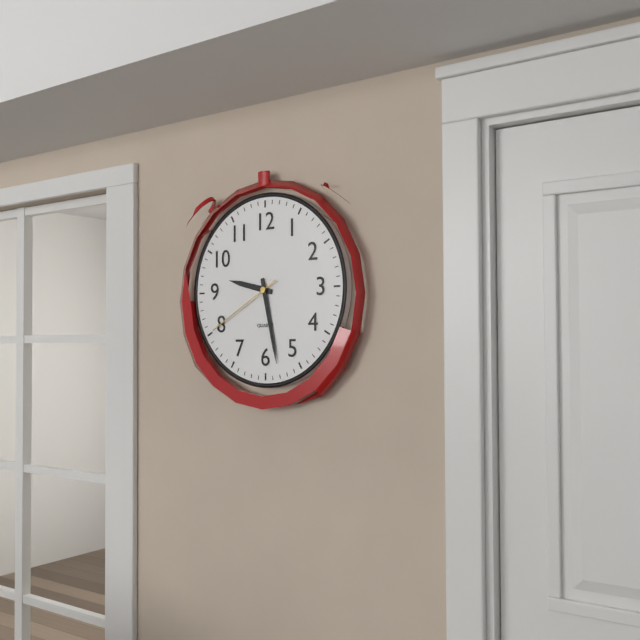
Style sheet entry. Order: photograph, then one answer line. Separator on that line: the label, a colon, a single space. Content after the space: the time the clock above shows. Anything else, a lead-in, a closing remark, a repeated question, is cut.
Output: 9:28:40
